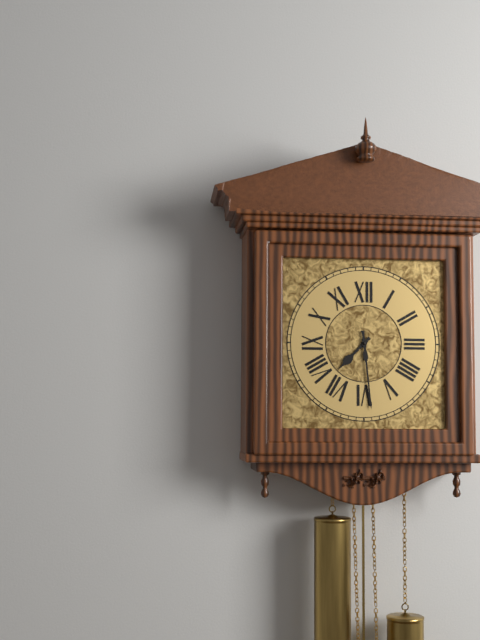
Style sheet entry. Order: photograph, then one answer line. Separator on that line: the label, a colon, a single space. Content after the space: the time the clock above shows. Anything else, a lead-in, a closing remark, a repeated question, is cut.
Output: 7:29
